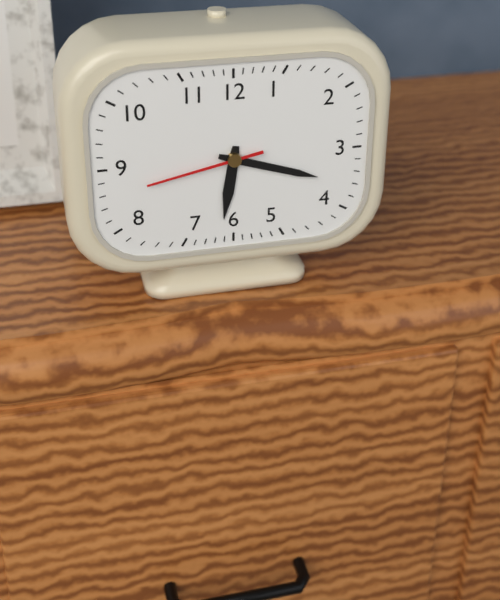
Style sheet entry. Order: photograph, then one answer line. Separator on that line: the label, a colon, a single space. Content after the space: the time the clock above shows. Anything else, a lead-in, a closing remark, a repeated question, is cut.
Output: 6:18:43
